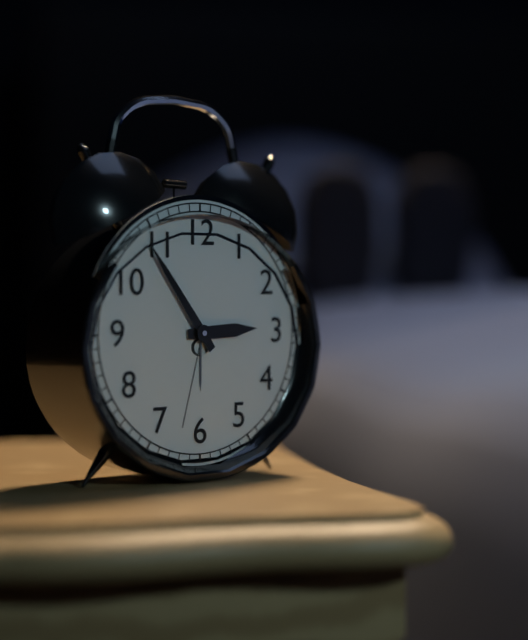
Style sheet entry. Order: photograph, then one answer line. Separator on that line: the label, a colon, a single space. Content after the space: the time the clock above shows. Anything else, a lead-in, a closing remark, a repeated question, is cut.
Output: 2:54
